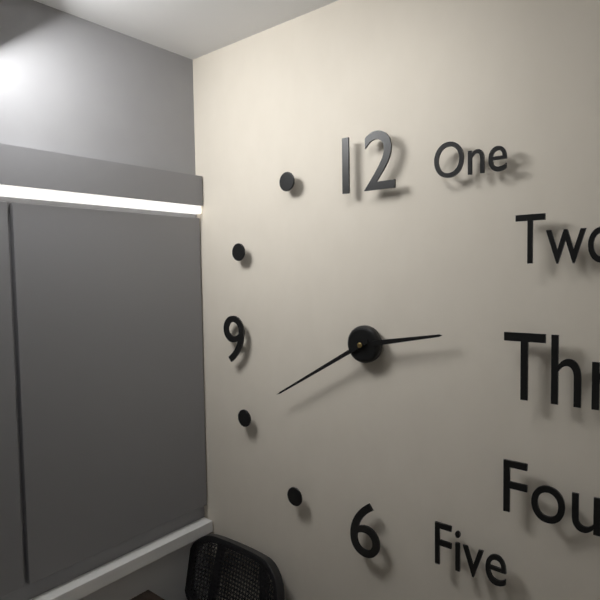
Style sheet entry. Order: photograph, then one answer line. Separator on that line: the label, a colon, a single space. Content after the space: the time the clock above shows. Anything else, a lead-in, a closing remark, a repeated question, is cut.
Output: 2:40
